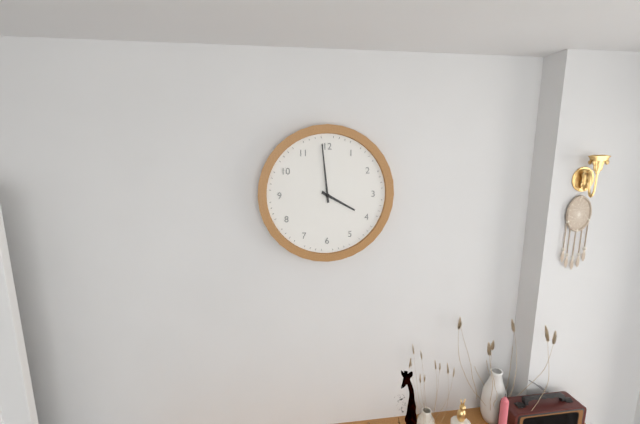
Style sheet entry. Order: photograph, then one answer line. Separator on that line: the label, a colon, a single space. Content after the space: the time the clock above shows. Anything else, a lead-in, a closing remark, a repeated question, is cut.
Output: 3:59
